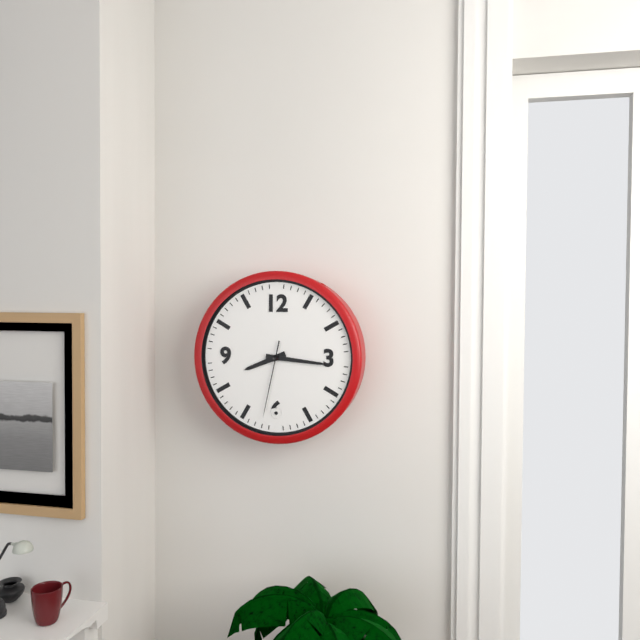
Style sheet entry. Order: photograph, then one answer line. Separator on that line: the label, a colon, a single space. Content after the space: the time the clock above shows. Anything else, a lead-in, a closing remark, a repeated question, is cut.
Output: 8:16:32
